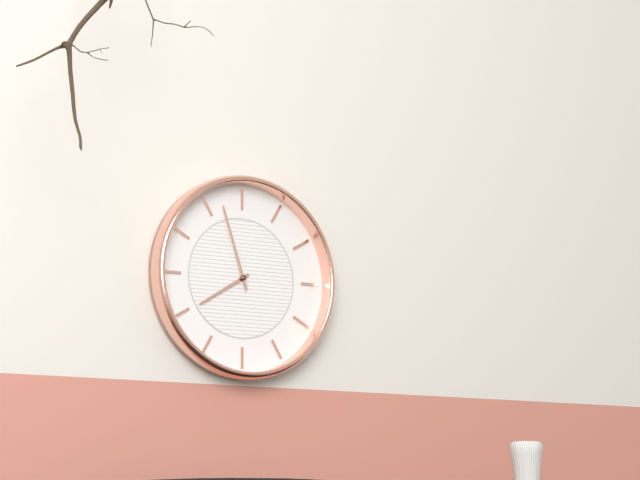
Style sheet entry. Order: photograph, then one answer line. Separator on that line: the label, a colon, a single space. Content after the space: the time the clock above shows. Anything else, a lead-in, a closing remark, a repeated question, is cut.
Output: 7:57
